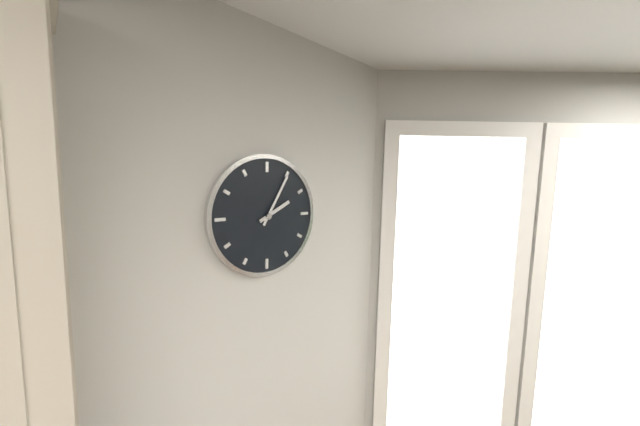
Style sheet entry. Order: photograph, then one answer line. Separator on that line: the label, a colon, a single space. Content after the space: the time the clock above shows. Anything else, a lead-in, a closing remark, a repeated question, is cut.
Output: 2:05
